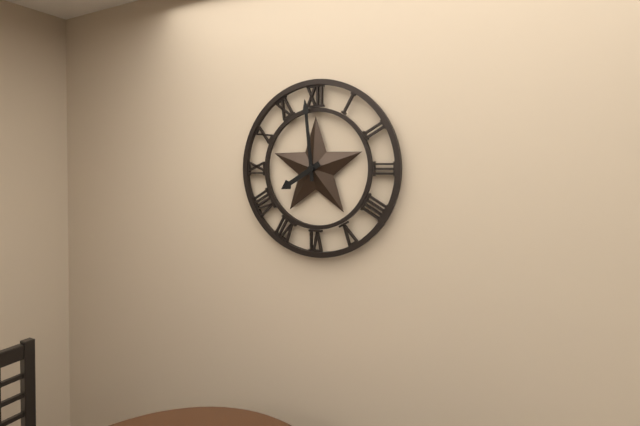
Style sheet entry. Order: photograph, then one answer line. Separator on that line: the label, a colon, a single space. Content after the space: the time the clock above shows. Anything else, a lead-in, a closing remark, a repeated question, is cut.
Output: 7:59
